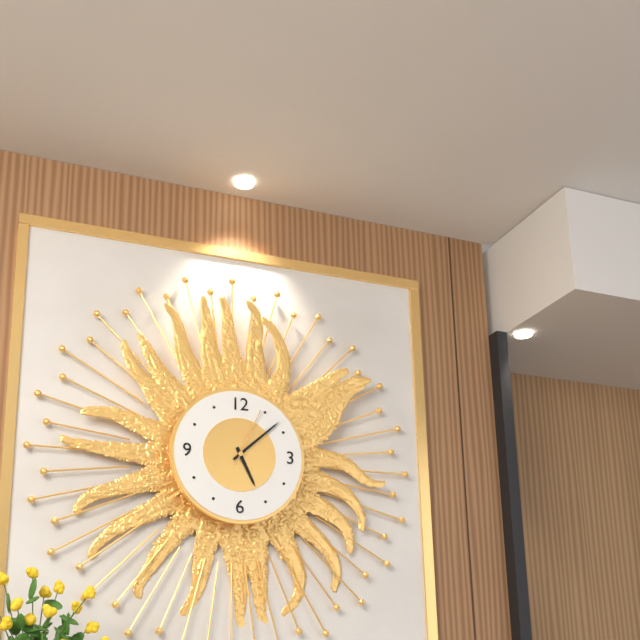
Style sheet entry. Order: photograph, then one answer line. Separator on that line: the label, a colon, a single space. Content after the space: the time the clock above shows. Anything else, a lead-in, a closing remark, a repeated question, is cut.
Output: 5:08:04
